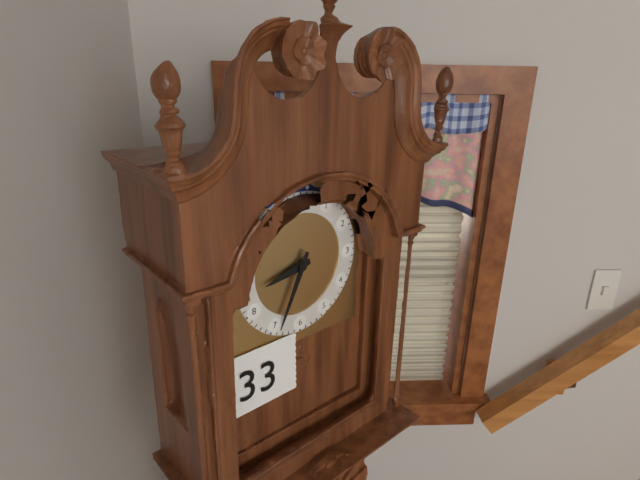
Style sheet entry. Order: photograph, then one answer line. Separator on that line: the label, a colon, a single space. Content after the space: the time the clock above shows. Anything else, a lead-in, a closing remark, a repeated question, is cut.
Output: 8:34
